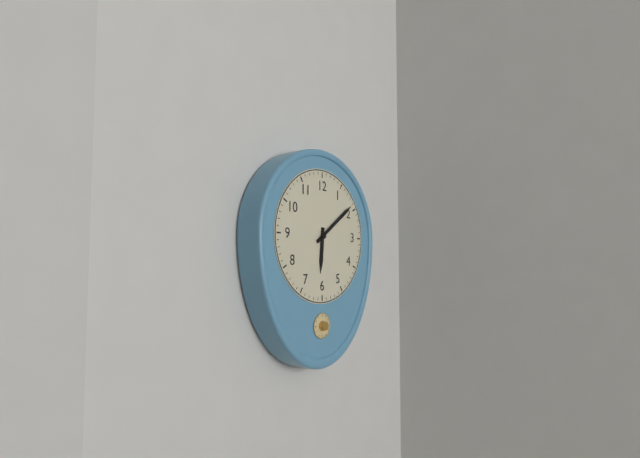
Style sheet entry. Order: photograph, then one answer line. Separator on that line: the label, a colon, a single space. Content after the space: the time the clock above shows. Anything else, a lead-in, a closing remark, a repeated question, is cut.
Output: 6:09
